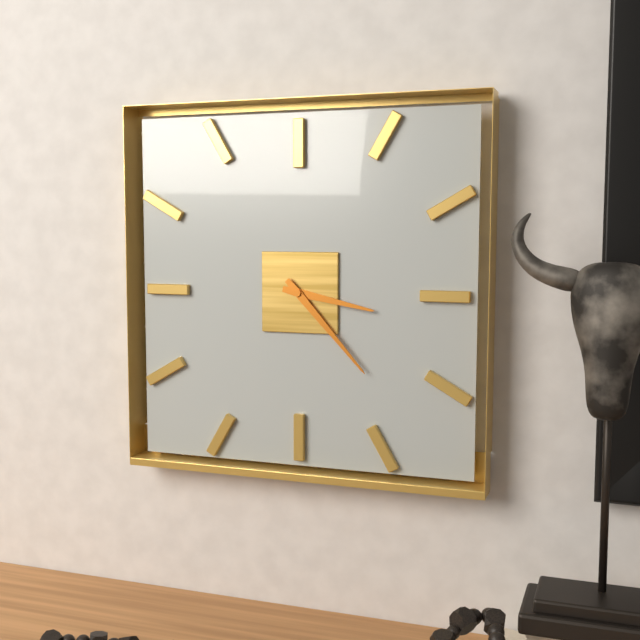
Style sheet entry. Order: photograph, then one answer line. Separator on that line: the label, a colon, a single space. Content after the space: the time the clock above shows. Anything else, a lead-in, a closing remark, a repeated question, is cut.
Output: 3:23
